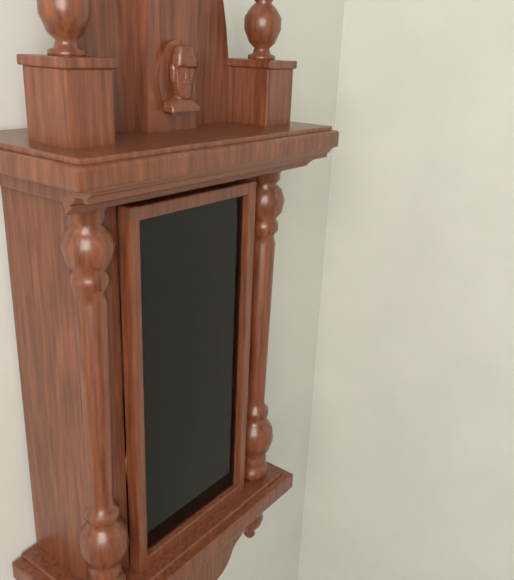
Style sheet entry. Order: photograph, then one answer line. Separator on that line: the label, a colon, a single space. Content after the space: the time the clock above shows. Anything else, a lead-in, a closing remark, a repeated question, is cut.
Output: 7:17
